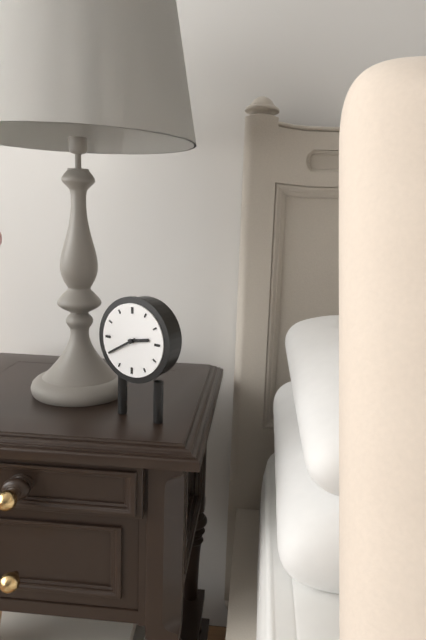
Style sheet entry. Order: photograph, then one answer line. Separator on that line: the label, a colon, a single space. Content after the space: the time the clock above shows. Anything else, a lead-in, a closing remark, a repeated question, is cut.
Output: 2:40
